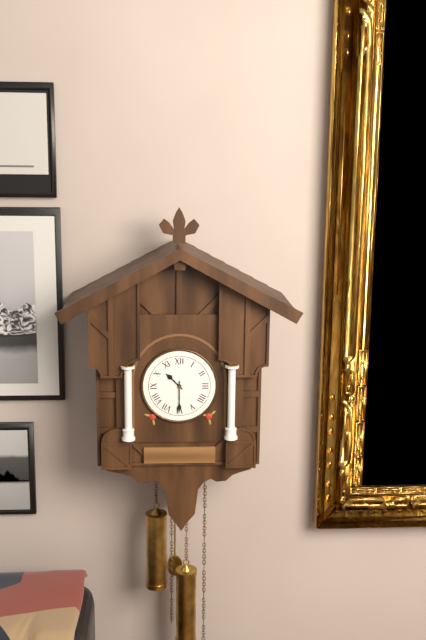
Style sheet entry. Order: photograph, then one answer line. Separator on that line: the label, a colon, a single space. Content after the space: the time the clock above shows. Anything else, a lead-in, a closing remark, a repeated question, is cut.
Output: 10:30
